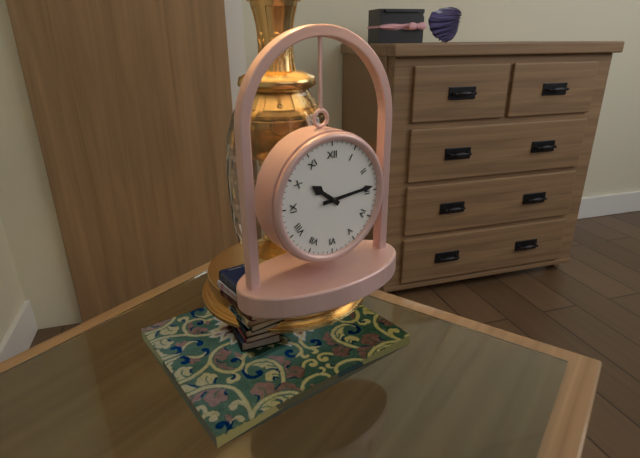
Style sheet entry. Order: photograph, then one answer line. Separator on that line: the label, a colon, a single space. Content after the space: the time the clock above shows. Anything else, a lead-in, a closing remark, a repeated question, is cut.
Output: 10:14
